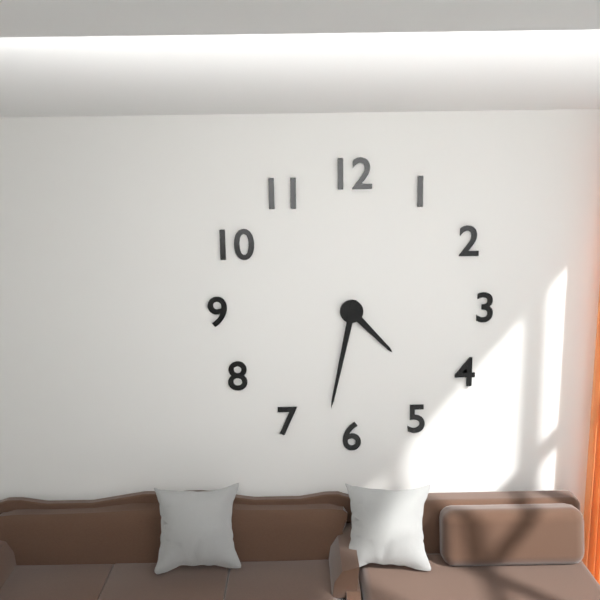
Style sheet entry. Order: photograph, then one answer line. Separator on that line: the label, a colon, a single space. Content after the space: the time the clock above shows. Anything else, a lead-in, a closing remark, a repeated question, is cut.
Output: 4:32
